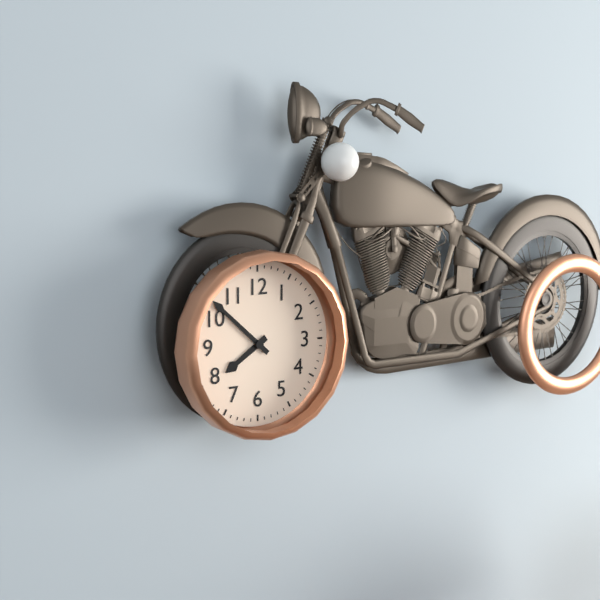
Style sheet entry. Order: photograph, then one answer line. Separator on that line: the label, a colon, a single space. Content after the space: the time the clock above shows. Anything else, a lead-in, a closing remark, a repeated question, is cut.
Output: 7:52
